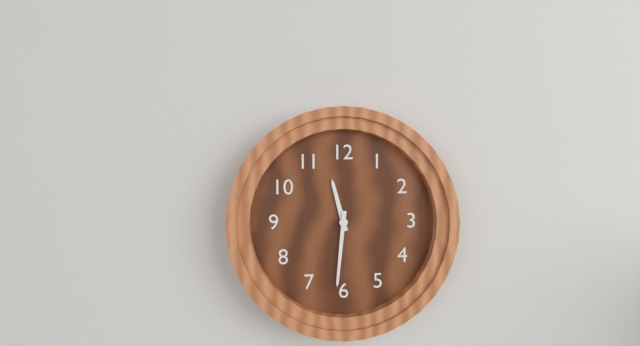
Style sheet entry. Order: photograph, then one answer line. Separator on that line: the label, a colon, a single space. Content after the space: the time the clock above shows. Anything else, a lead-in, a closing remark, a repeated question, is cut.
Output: 11:31
